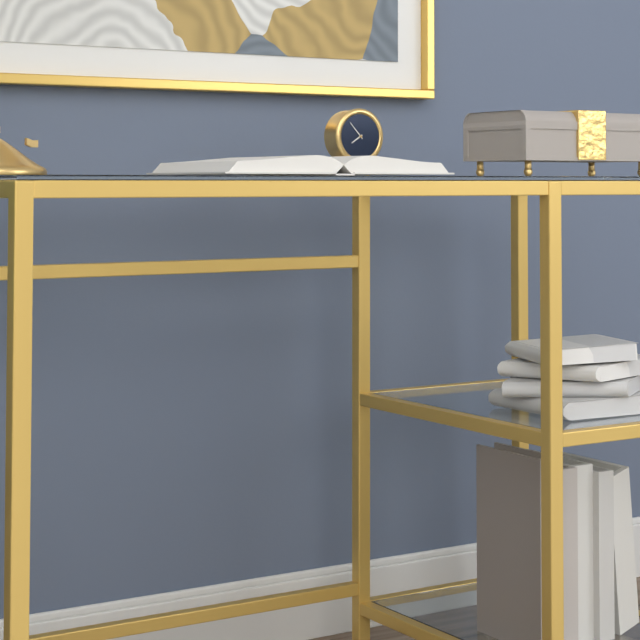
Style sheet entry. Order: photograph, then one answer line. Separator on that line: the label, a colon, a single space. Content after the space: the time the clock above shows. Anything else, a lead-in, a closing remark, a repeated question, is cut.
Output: 7:53
